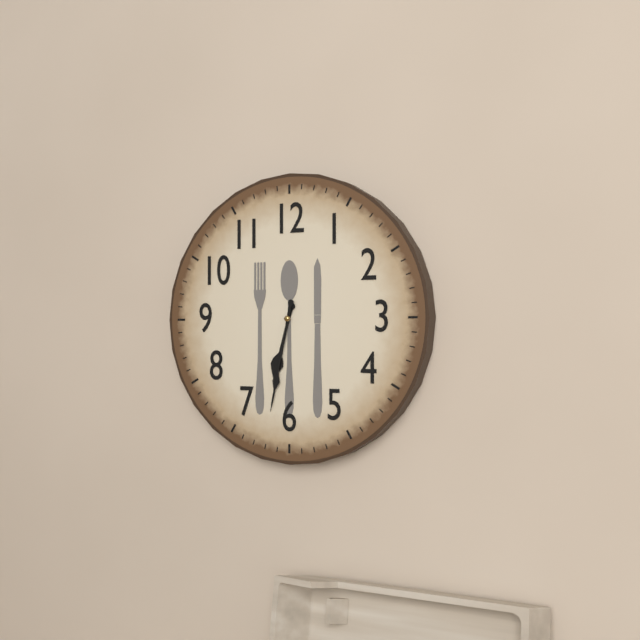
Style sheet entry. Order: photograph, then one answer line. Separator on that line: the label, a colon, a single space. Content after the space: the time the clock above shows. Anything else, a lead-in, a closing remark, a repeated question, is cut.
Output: 6:32
